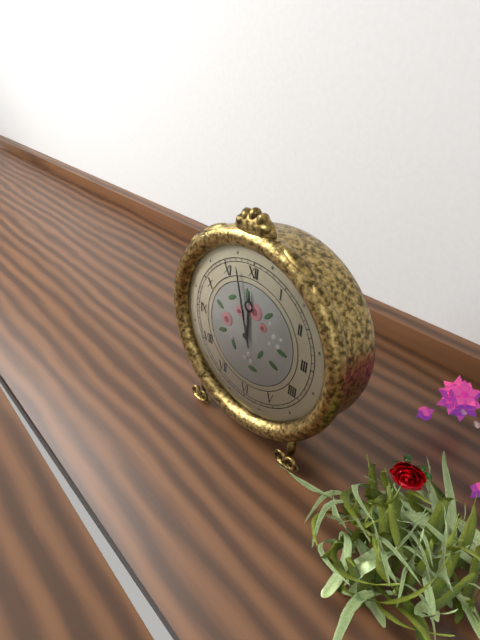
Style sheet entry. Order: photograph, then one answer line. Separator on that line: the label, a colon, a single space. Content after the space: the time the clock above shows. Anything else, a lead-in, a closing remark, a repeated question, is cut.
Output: 11:57
